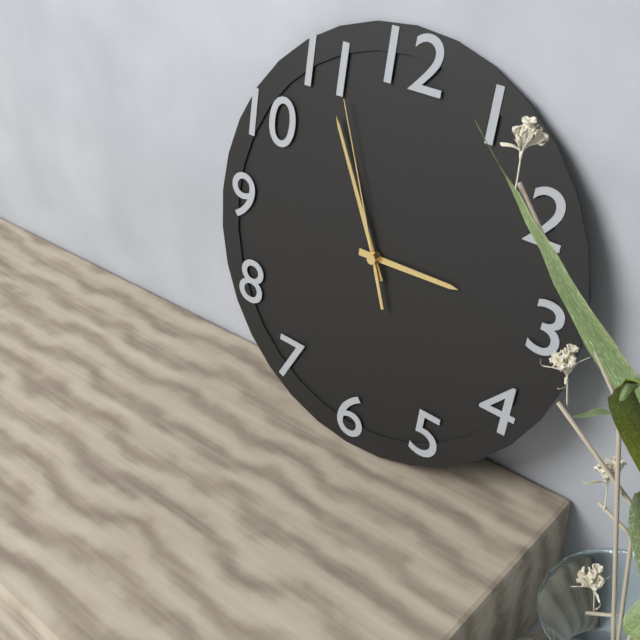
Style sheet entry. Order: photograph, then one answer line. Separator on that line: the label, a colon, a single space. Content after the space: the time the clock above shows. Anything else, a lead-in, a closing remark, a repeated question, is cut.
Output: 2:55:56
